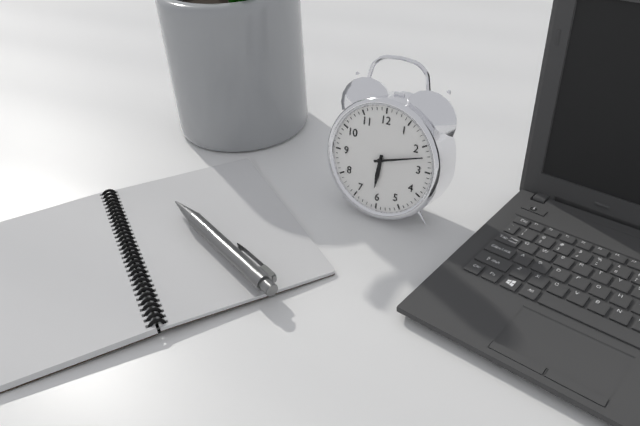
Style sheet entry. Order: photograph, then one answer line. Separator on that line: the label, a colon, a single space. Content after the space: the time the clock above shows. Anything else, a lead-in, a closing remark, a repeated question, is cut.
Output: 6:12
